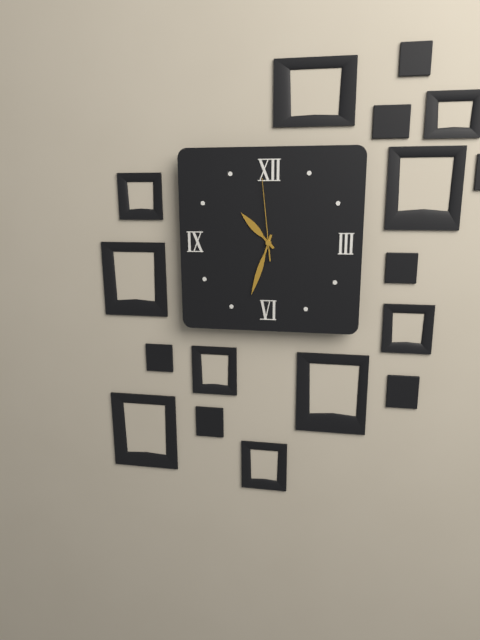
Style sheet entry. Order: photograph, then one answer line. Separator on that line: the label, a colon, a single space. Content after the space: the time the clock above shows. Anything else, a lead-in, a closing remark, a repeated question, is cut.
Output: 10:33:59
